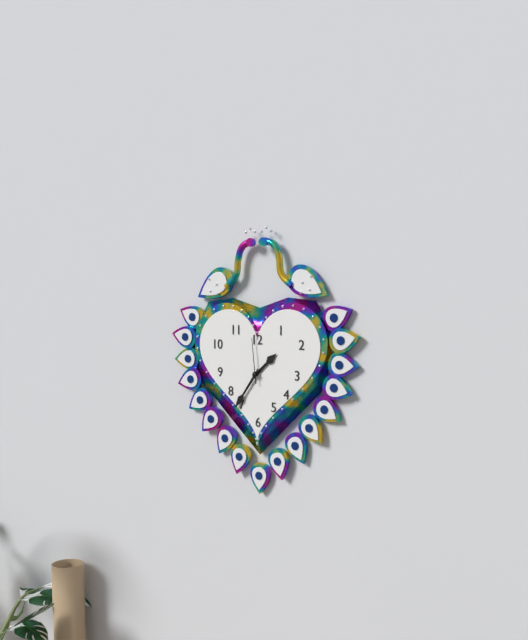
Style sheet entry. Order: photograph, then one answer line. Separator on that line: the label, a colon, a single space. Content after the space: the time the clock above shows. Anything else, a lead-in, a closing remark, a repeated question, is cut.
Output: 1:36
